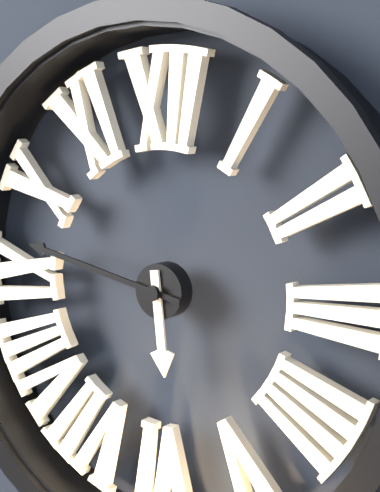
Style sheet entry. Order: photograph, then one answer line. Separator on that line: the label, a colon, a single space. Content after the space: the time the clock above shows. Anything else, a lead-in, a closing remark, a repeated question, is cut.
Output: 5:47
